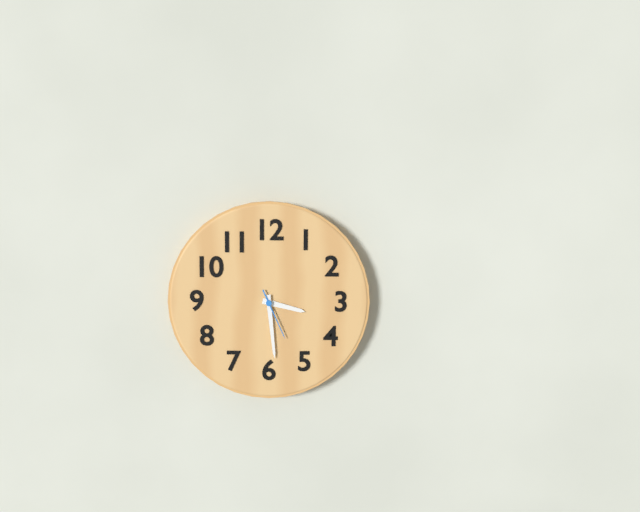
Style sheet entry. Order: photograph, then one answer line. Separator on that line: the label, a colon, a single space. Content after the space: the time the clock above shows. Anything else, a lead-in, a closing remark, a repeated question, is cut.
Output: 3:29
